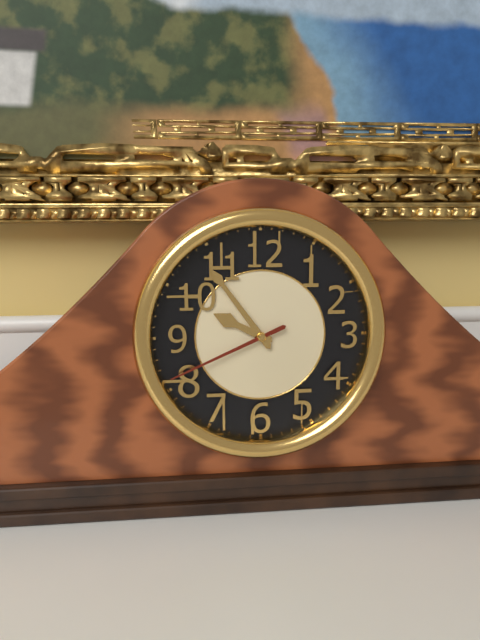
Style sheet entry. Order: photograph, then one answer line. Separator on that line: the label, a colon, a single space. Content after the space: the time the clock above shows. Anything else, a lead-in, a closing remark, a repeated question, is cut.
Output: 9:54:41
